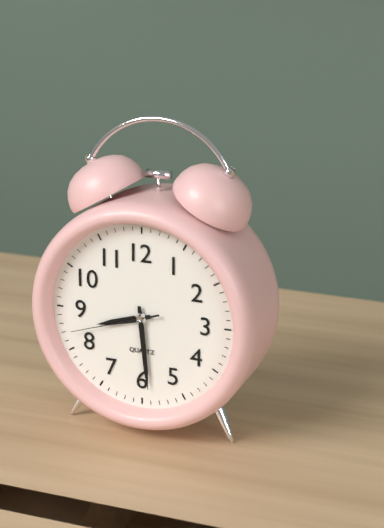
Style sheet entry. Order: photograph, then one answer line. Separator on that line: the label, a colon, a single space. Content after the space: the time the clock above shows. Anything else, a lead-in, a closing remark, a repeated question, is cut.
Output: 8:29:42
